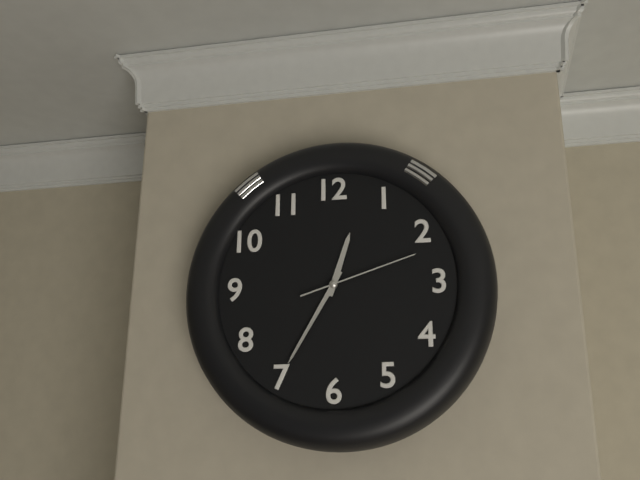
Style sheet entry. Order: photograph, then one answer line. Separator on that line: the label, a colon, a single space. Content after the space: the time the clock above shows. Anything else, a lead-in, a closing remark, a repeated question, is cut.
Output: 12:35:12
